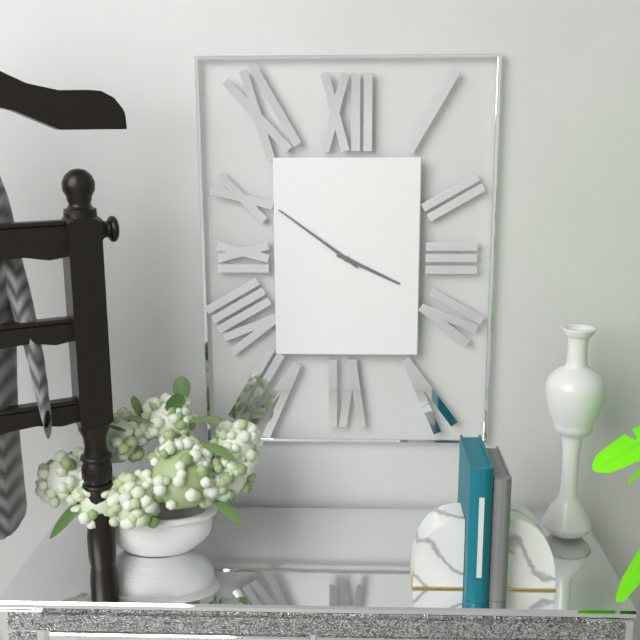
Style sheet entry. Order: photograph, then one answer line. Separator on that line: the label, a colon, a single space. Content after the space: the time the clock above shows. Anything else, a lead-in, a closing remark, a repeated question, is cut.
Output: 3:51
